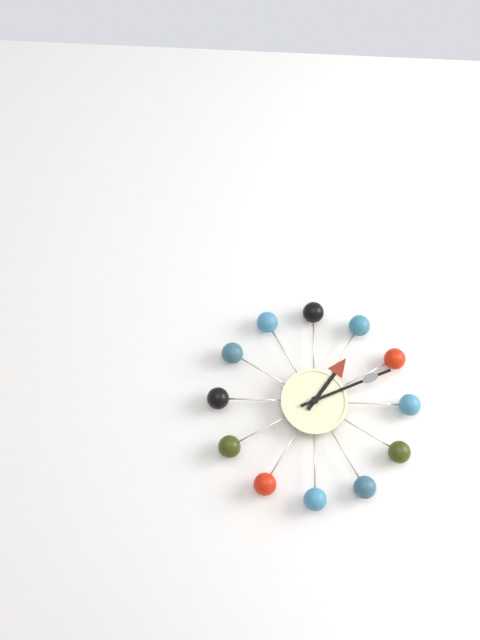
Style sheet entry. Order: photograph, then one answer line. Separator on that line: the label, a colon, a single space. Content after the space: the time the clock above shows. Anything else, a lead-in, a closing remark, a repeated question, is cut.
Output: 1:11
